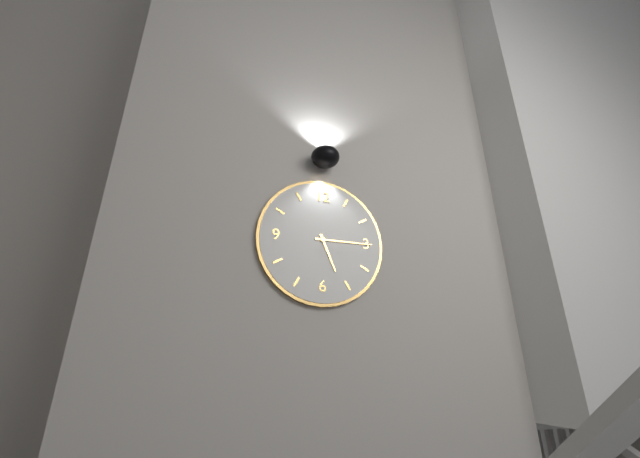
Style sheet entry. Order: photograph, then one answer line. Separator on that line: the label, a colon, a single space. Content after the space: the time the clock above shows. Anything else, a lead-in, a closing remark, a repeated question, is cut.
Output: 5:15
